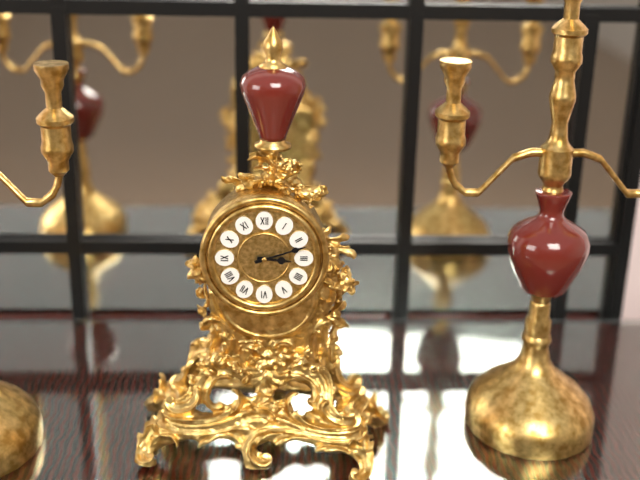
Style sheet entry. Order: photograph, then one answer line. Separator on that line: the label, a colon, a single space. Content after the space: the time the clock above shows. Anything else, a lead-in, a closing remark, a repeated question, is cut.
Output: 3:12
